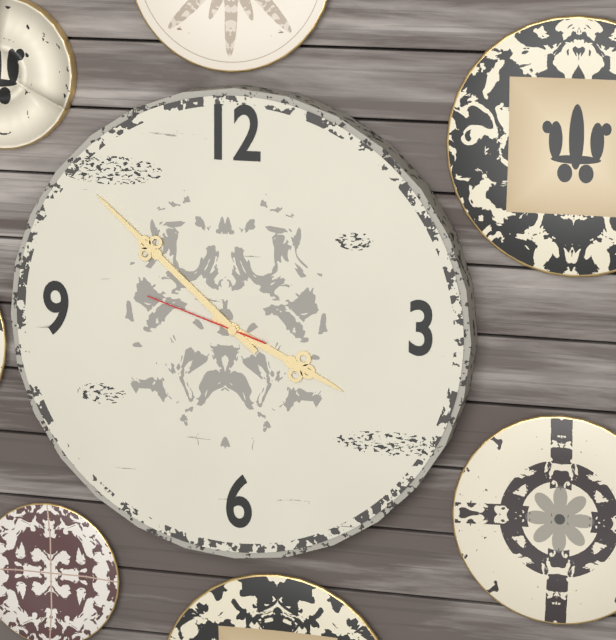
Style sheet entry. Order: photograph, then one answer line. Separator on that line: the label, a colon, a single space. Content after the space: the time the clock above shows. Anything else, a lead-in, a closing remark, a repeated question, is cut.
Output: 3:52:48
